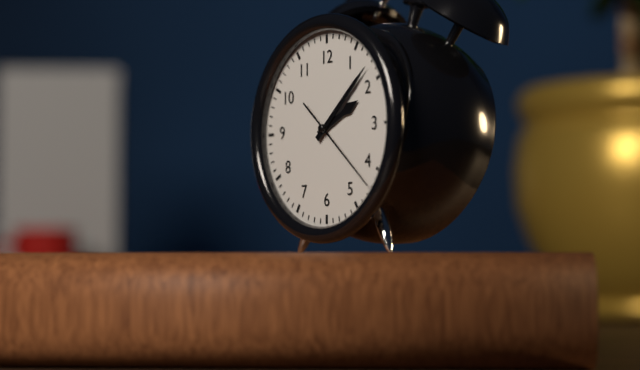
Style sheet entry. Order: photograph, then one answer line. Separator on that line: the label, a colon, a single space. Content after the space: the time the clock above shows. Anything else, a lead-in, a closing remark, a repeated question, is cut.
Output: 2:08:22
